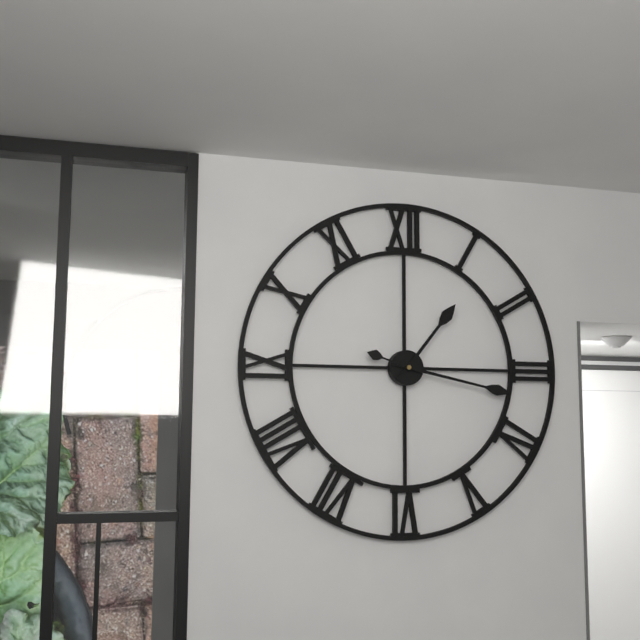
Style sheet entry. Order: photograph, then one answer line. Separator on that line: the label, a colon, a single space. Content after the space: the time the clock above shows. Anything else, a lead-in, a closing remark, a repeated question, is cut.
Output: 1:17
